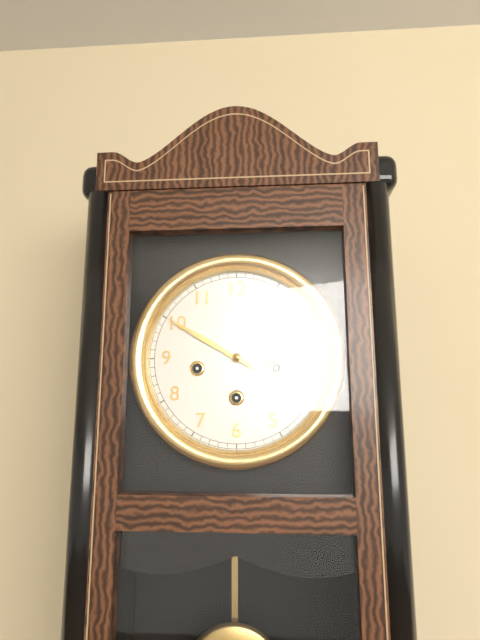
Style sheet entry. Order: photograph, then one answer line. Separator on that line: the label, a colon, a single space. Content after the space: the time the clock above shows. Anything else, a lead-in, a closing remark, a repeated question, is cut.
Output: 3:50
